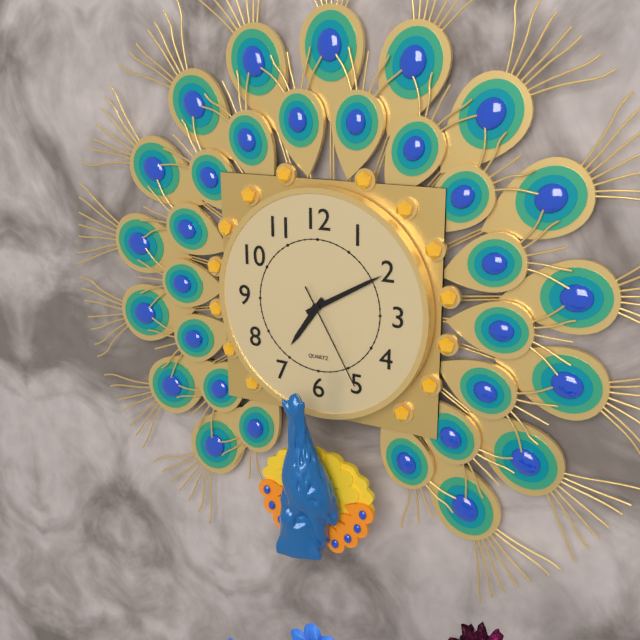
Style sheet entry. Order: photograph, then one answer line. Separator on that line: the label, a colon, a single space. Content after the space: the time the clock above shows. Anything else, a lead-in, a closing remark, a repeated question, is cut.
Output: 7:10:25
